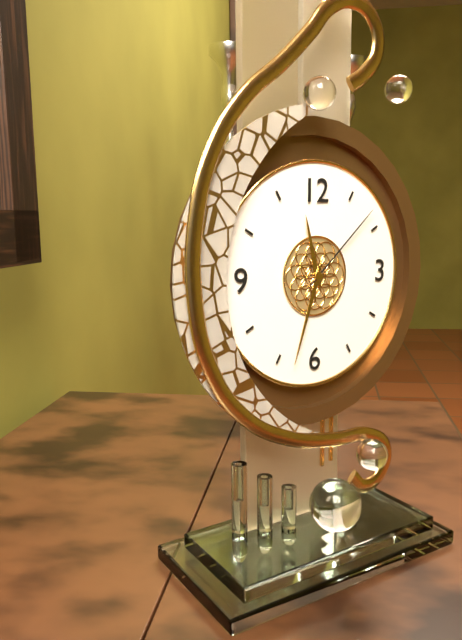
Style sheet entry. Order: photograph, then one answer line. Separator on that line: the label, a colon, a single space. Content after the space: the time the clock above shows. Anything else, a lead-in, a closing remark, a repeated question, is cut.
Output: 11:33:08
